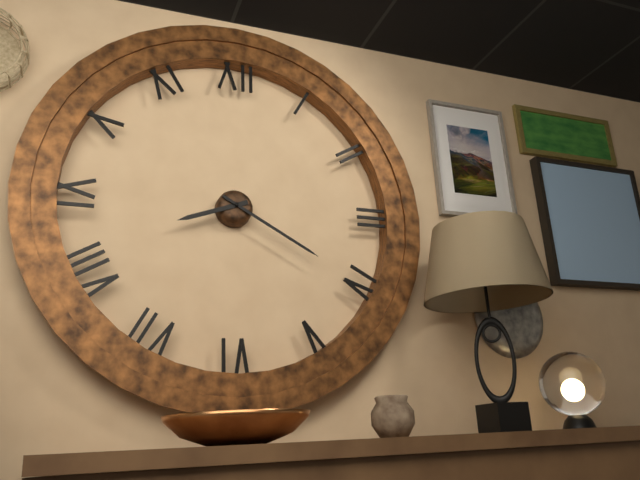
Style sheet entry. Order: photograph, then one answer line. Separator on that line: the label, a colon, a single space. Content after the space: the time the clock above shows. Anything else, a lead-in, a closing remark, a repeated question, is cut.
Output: 8:20
